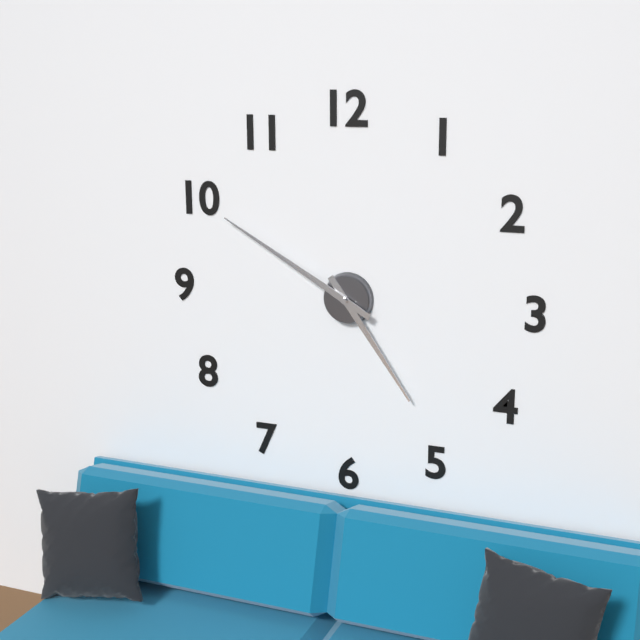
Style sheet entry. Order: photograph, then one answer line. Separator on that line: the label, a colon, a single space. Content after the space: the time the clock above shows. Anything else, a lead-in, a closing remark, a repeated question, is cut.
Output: 4:50
